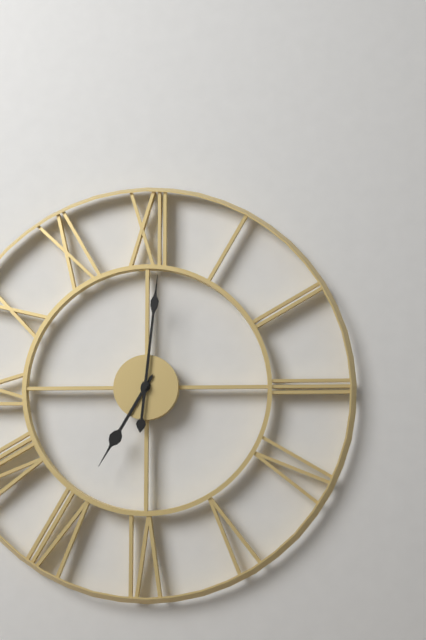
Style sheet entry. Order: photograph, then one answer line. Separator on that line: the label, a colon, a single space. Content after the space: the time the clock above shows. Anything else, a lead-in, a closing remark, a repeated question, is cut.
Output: 7:01
